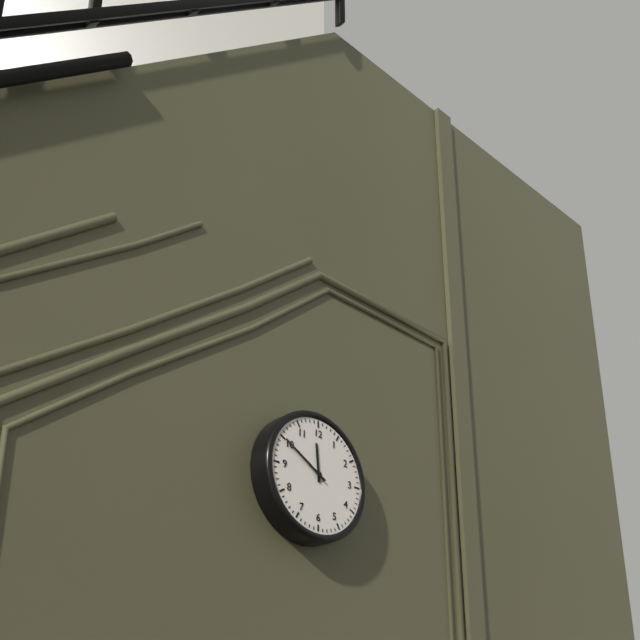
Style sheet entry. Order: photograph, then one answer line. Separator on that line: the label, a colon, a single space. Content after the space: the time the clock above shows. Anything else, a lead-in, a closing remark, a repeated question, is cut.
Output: 11:50
